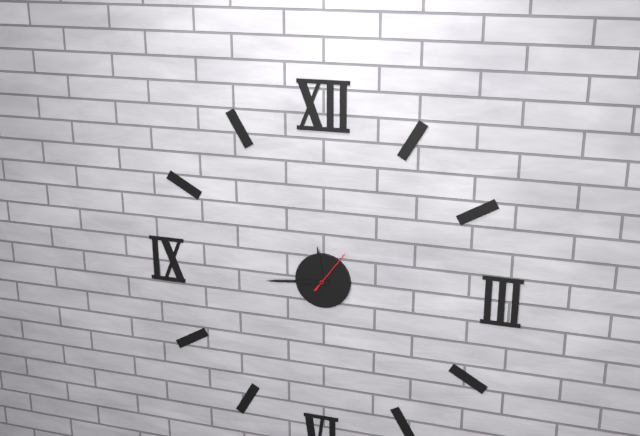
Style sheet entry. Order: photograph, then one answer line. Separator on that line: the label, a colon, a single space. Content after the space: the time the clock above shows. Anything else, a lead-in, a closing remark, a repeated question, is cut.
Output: 11:44
